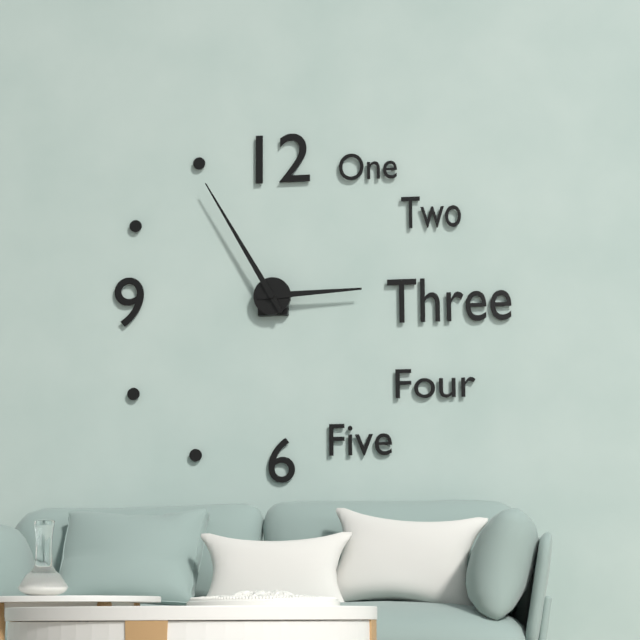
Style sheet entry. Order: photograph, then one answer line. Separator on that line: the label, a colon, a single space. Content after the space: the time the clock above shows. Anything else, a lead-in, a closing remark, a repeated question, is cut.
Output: 2:55
